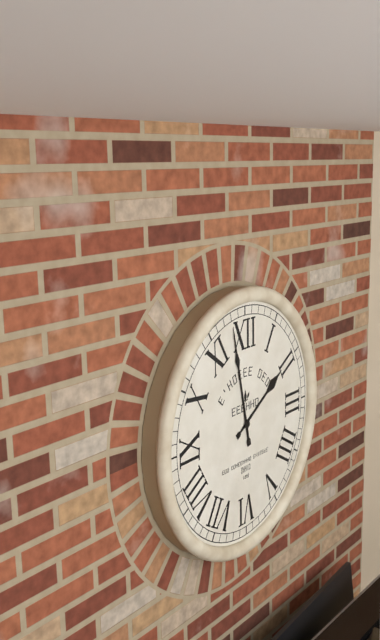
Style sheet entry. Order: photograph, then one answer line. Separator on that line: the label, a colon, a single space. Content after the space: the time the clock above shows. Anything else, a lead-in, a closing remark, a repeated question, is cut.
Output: 1:58
